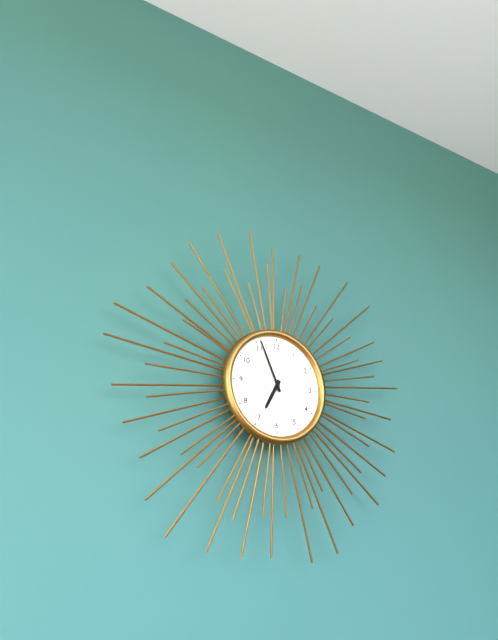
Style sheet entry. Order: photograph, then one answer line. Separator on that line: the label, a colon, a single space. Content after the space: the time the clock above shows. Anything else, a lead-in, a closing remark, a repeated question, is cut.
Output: 6:56
